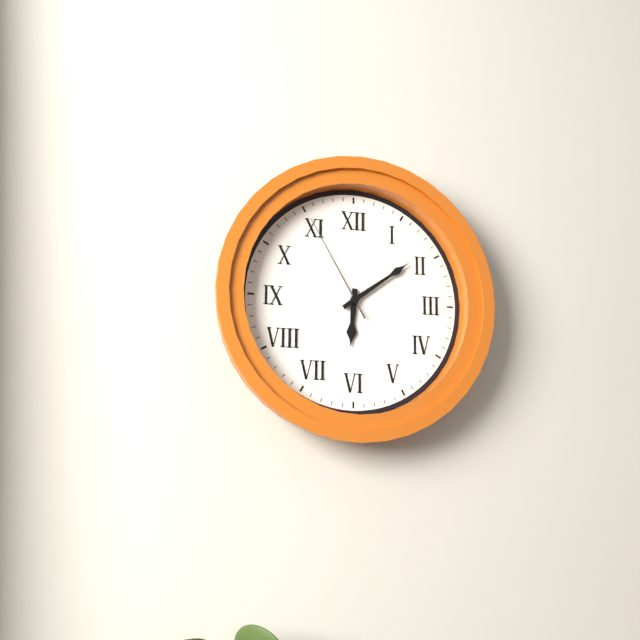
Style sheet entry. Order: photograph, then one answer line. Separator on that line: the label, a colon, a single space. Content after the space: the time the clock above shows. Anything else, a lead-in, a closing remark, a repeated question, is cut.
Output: 6:09:55
